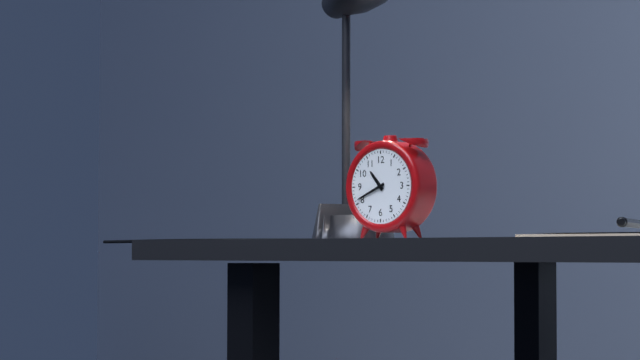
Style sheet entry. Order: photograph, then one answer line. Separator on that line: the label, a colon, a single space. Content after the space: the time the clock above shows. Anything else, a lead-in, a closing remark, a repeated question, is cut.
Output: 10:41
